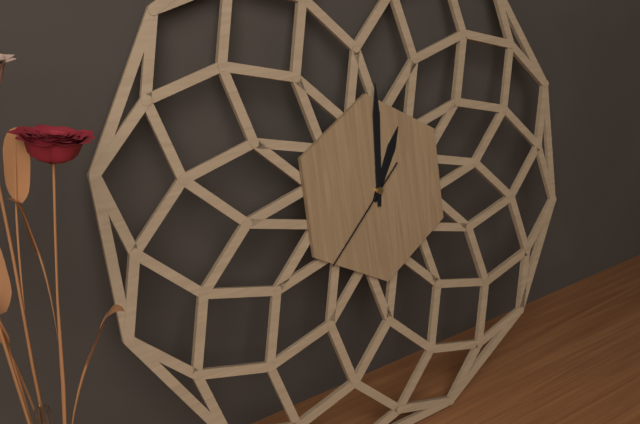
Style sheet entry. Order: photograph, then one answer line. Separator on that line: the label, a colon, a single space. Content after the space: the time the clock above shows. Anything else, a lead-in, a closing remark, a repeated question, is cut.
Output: 1:01:38
